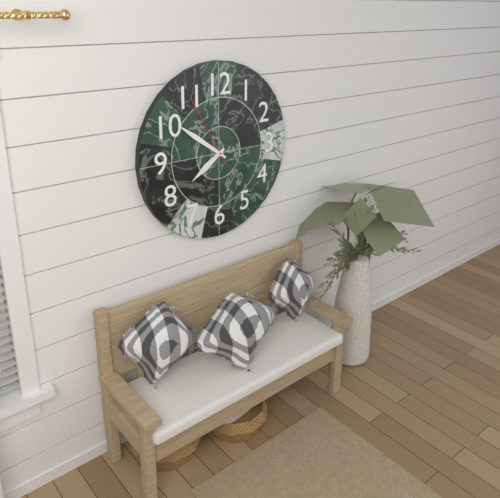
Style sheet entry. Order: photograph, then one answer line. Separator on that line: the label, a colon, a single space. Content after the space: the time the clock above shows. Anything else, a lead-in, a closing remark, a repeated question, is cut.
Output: 7:51:55
